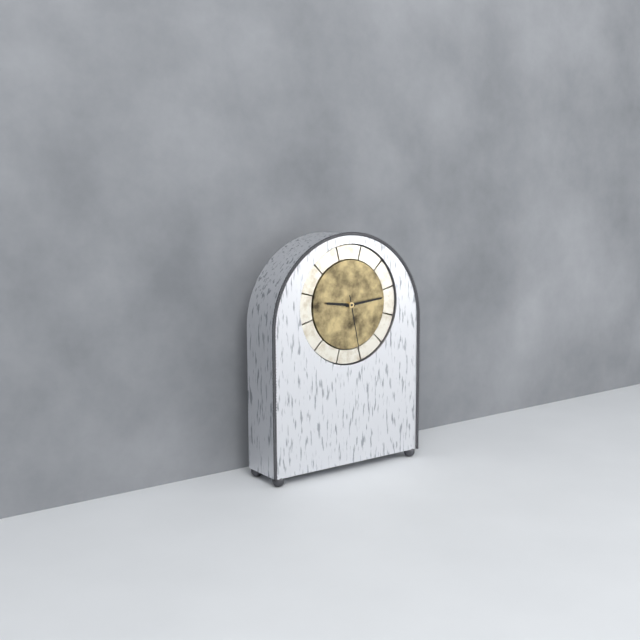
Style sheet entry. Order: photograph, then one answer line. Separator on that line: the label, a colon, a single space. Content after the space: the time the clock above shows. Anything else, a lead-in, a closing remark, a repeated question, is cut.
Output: 9:14:28
